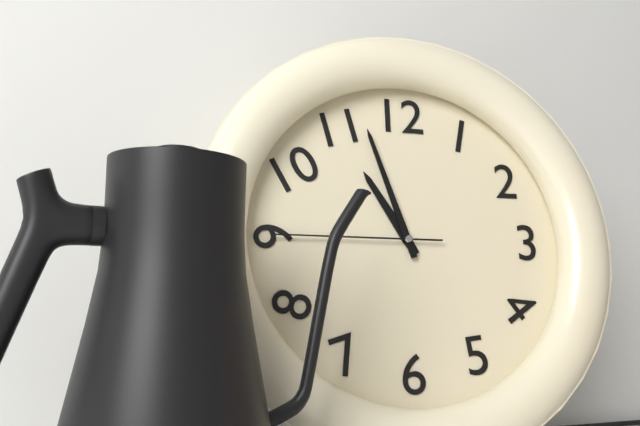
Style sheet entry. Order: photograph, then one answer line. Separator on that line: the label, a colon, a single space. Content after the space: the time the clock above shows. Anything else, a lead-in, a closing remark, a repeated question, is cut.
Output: 10:57:45
